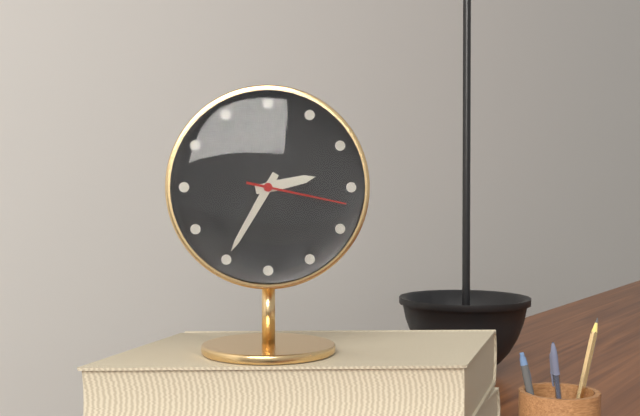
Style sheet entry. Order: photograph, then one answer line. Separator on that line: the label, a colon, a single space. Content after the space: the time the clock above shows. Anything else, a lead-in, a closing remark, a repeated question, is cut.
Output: 2:35:17
